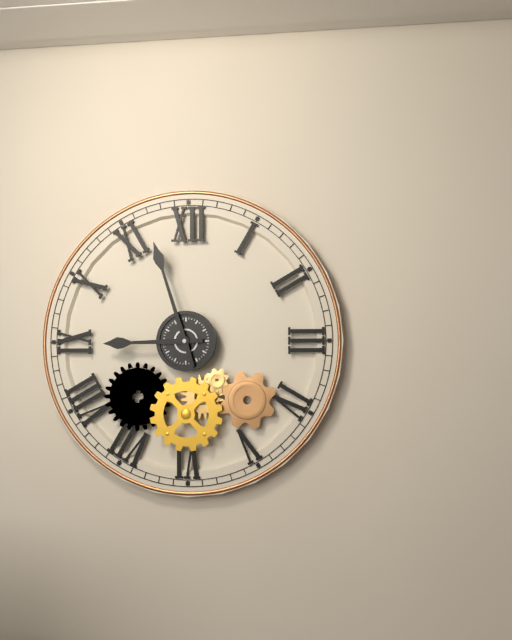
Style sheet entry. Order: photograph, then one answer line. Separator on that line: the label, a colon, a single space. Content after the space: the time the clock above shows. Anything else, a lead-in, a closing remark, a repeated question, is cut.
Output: 8:57
